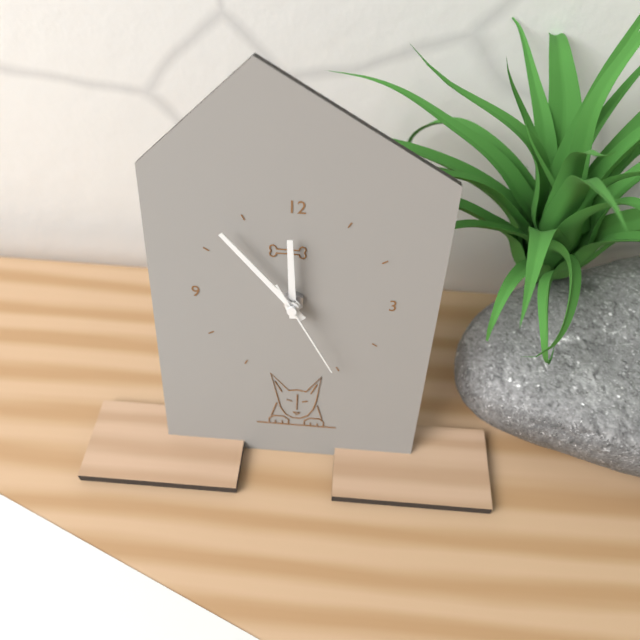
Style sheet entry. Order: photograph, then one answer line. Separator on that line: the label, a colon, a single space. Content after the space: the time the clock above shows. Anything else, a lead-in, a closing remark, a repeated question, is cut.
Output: 11:53:25
